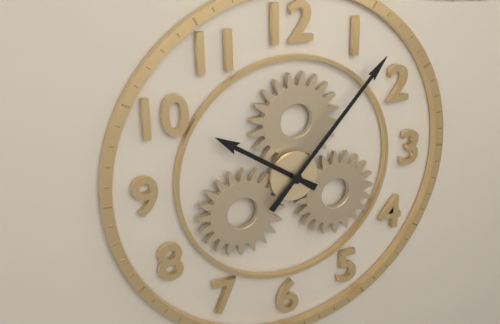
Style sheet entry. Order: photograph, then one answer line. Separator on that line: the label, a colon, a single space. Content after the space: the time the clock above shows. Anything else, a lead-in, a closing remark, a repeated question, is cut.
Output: 10:07
